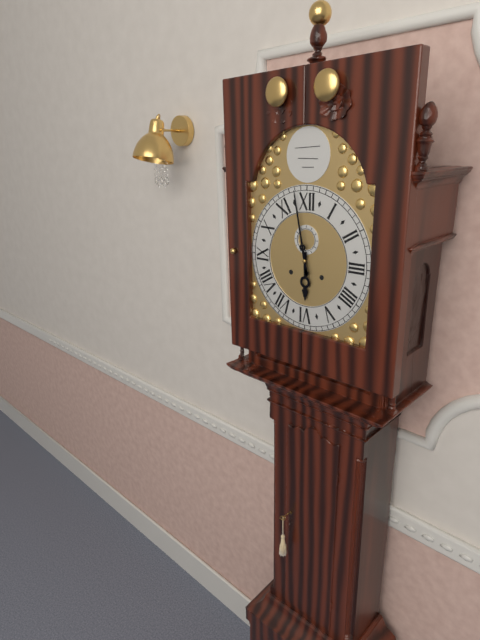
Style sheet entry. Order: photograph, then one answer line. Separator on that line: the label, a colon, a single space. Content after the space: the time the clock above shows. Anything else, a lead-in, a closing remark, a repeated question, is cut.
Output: 5:58
